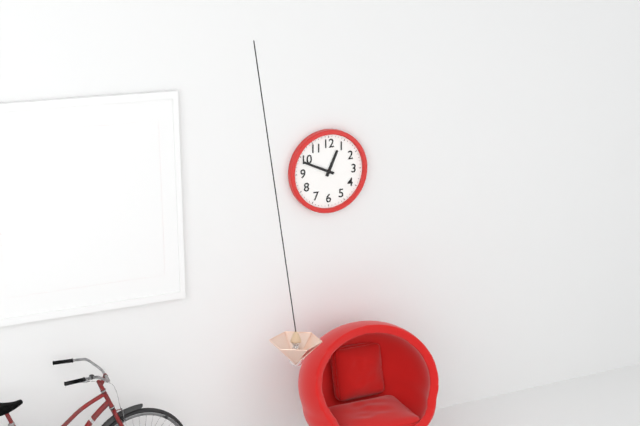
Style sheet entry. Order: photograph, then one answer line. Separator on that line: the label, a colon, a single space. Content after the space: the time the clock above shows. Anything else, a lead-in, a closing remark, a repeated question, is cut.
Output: 12:49
